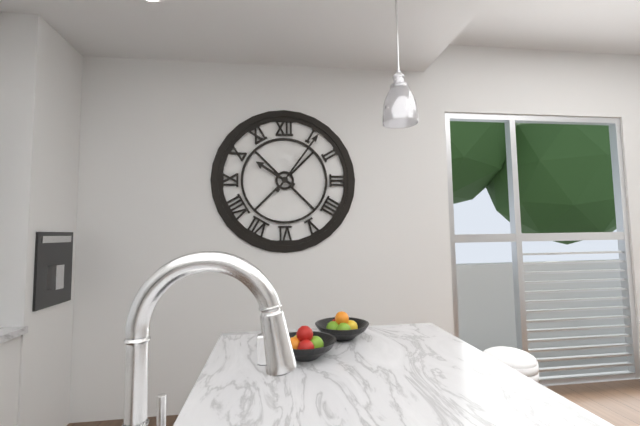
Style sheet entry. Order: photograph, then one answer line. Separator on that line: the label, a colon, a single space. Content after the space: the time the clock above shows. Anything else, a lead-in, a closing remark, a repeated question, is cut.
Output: 10:06
